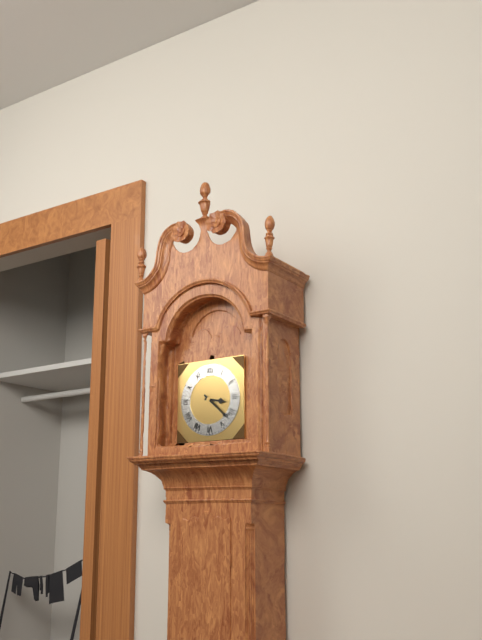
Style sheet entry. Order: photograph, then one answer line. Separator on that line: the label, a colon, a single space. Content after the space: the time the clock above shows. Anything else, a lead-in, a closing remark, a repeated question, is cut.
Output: 3:22
